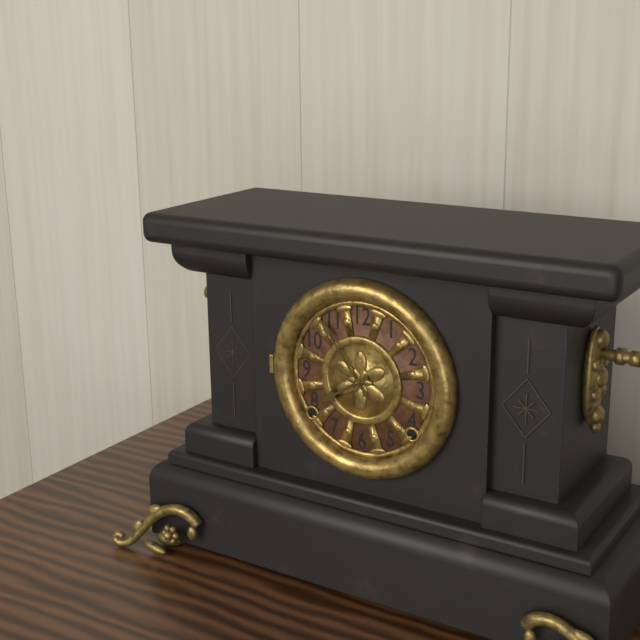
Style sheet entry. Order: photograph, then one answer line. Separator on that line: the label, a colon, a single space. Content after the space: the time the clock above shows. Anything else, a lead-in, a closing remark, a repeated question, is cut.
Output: 7:54
